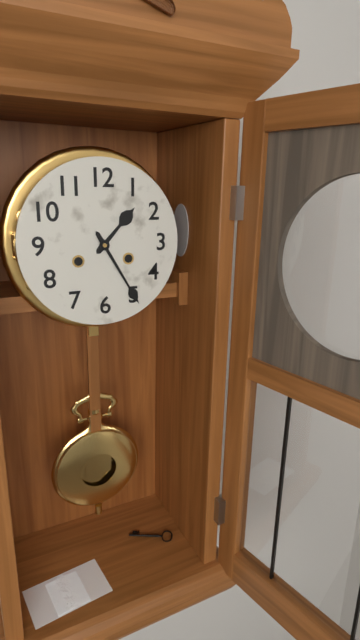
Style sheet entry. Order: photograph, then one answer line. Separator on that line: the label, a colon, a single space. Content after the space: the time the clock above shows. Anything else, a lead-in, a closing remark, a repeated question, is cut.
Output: 1:25
